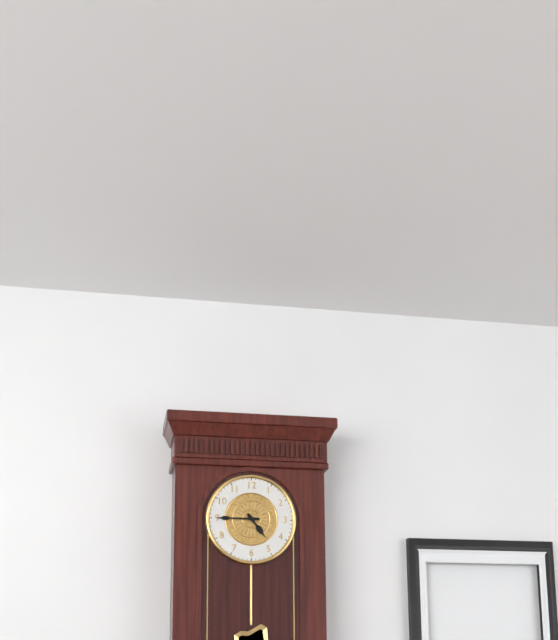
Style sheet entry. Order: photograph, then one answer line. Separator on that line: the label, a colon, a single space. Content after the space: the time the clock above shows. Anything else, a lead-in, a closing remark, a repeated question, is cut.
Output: 4:45
